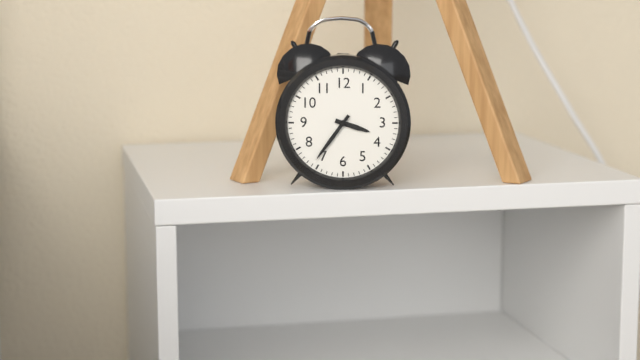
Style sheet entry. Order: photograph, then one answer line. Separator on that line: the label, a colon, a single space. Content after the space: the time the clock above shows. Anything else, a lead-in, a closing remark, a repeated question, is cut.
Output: 3:36
